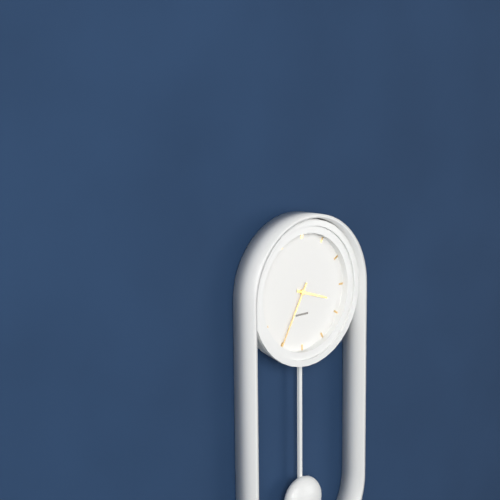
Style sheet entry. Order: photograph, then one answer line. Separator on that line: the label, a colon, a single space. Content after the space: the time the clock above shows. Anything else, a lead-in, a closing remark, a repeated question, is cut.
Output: 3:35
